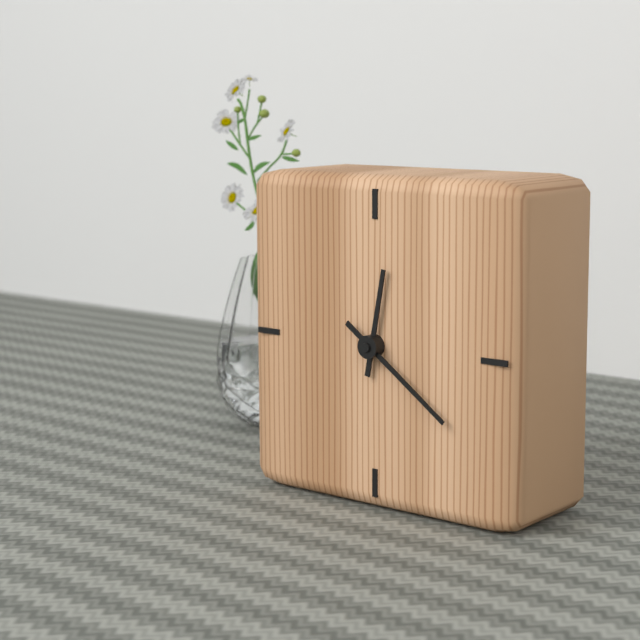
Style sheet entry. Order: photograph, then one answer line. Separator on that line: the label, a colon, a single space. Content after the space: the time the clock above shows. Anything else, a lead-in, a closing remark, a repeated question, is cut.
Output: 12:21
